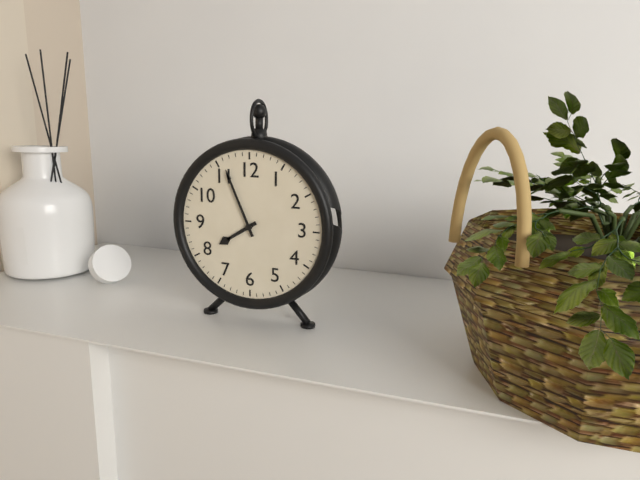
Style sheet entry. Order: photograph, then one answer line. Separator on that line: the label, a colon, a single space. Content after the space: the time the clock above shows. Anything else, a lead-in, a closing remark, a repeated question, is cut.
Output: 7:56
